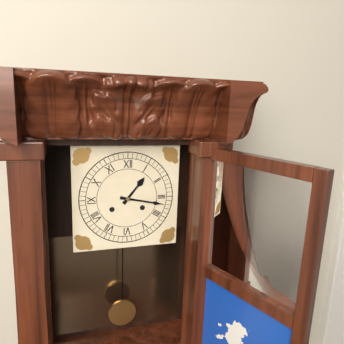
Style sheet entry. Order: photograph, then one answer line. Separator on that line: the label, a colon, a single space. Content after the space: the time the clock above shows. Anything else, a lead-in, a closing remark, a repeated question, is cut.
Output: 1:17
